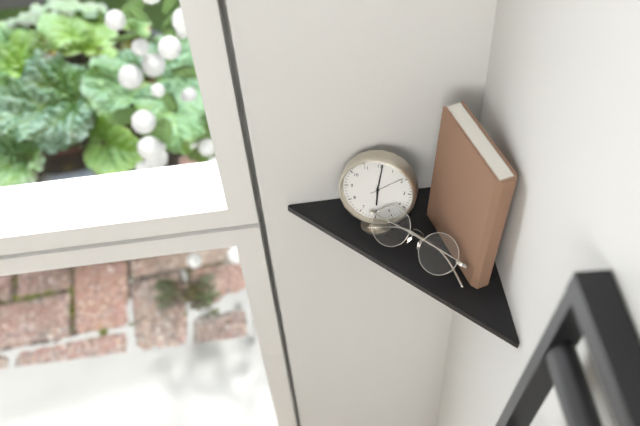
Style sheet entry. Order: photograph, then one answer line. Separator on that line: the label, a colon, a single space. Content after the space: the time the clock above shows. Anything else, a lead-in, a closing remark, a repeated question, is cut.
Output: 6:01
